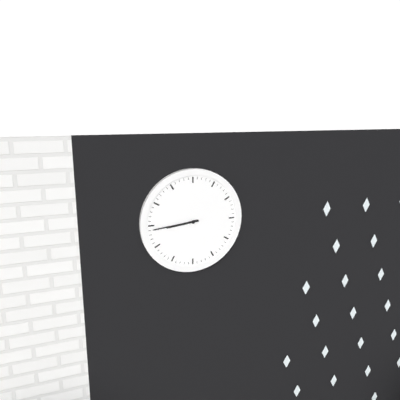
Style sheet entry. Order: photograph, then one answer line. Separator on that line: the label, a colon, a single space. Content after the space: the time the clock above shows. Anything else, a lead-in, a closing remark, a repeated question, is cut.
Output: 8:44
